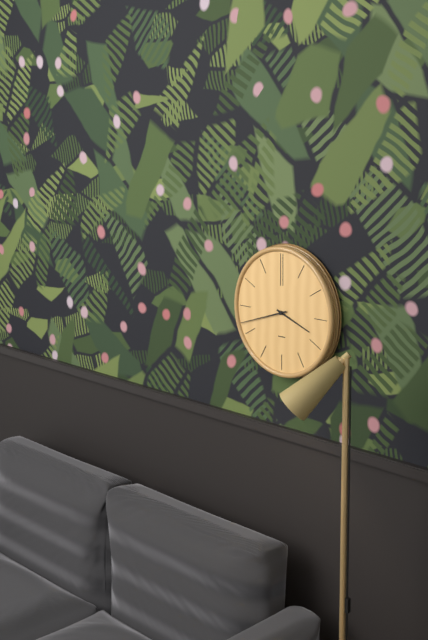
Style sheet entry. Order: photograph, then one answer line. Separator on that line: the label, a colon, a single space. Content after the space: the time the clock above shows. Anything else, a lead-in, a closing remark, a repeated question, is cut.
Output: 3:42
